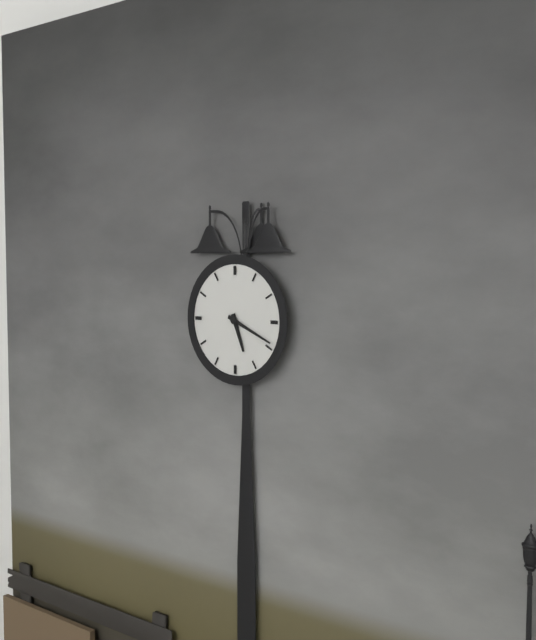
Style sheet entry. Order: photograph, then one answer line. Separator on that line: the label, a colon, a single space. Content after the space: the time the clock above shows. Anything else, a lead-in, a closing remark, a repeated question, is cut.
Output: 5:19
